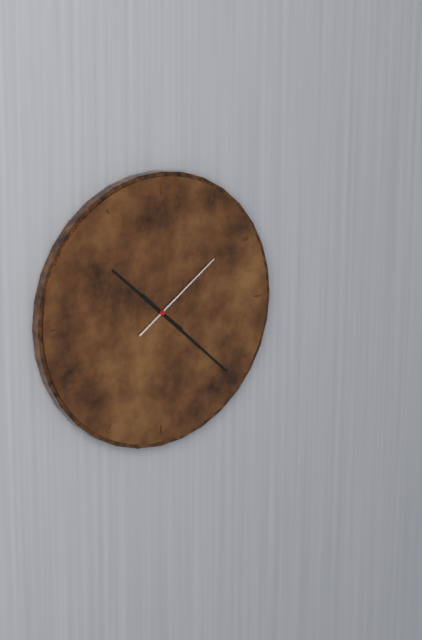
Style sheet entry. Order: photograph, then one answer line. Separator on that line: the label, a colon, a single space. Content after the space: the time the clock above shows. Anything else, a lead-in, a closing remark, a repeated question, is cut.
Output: 10:22:09
